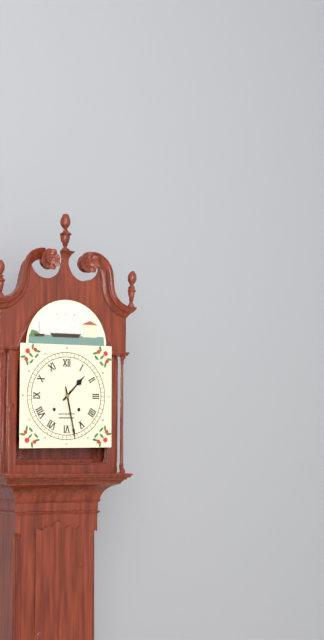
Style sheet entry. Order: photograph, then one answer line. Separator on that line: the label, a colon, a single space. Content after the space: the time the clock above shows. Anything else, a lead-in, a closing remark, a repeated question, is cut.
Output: 1:28
